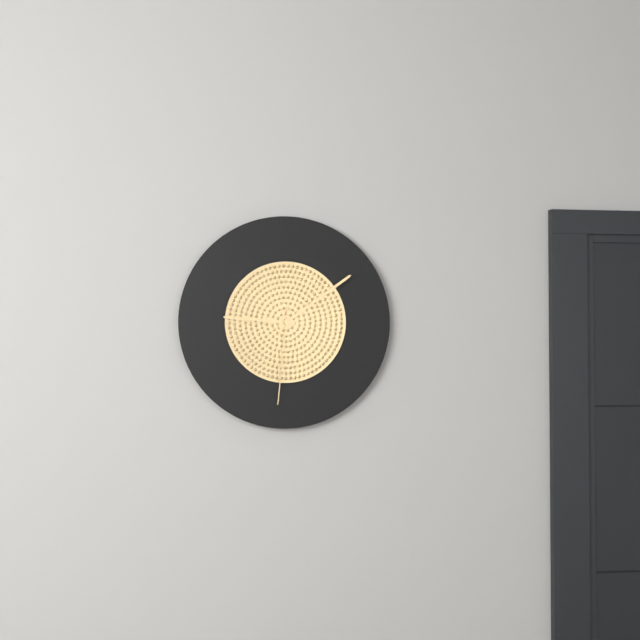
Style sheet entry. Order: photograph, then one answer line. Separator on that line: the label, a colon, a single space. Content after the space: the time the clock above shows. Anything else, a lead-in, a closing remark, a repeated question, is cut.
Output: 9:09:31
